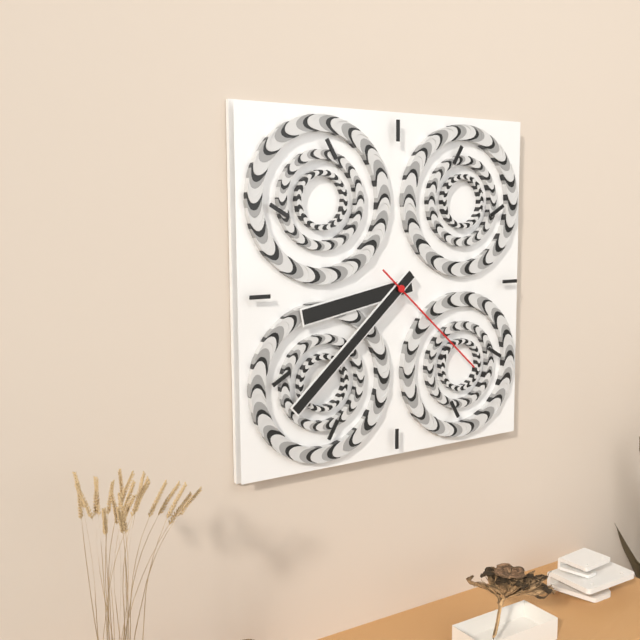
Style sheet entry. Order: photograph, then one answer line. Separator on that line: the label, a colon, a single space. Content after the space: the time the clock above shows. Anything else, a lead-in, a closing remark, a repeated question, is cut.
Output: 8:38:22
